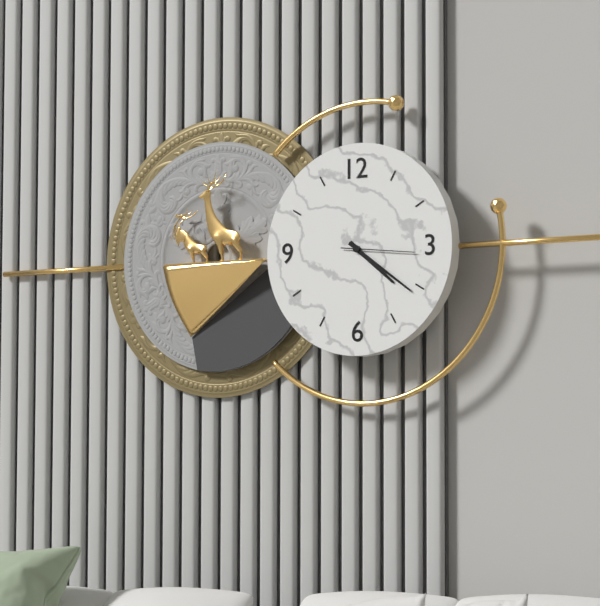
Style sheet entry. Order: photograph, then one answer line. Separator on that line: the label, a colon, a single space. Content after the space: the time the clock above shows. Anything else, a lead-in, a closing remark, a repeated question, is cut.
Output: 4:21:16
